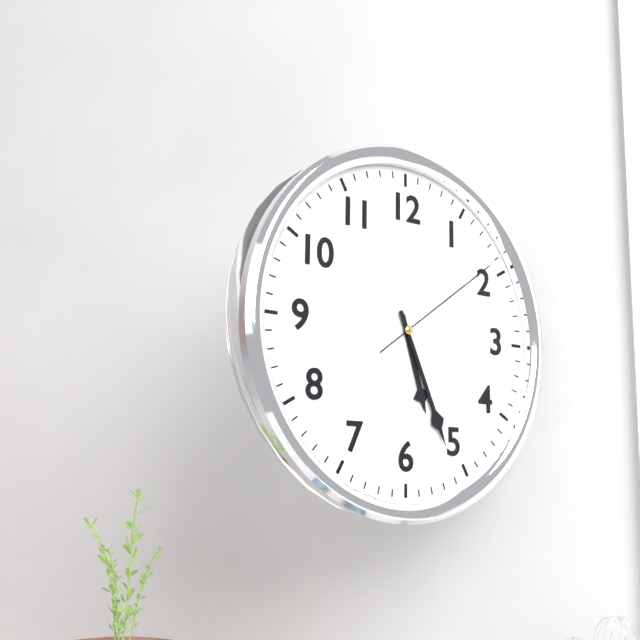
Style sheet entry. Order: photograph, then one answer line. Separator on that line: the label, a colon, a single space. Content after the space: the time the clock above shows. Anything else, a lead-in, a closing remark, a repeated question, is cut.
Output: 5:26:09
